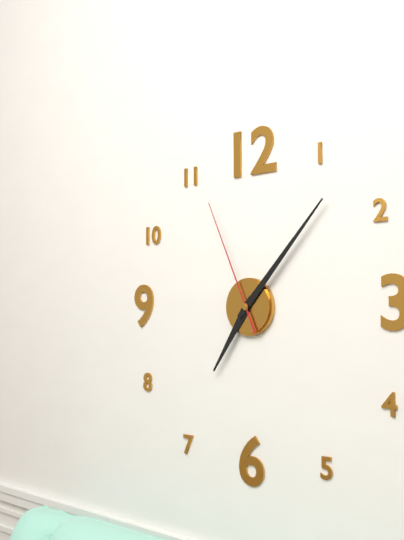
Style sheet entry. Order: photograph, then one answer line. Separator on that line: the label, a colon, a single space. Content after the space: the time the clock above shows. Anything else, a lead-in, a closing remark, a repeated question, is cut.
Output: 7:07:56
